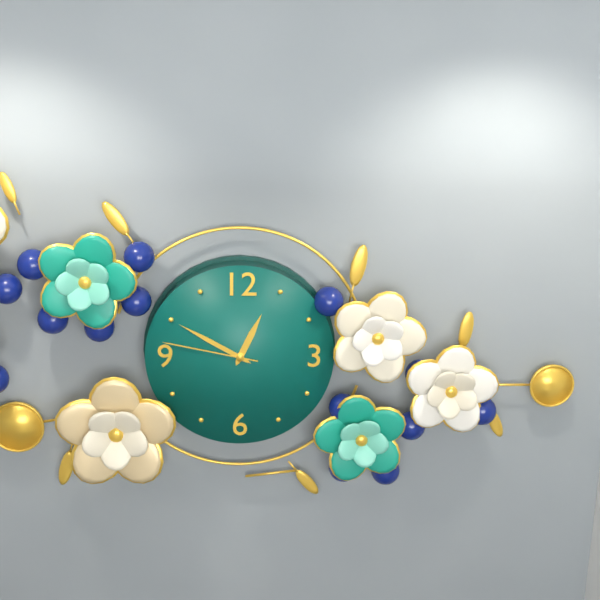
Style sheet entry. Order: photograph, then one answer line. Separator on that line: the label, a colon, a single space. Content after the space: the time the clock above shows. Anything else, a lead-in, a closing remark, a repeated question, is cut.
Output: 12:50:47
